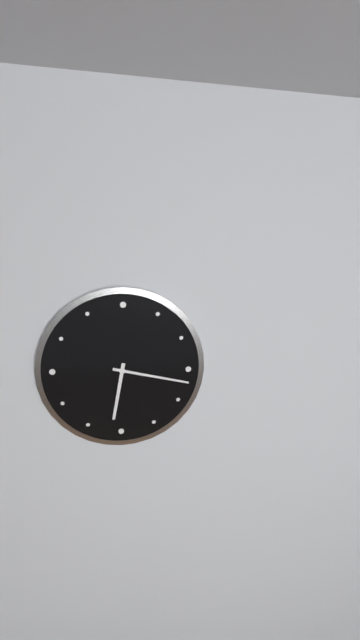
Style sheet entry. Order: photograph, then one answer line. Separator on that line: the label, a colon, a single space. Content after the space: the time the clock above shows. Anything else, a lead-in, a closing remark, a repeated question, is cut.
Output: 6:17
